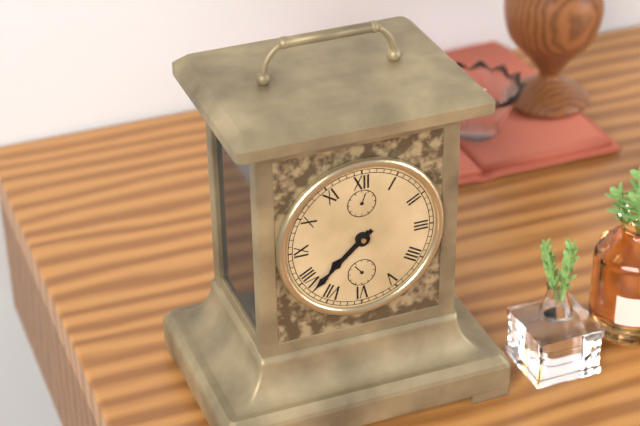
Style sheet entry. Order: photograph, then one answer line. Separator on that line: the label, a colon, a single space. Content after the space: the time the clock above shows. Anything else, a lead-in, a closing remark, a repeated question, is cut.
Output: 7:38
